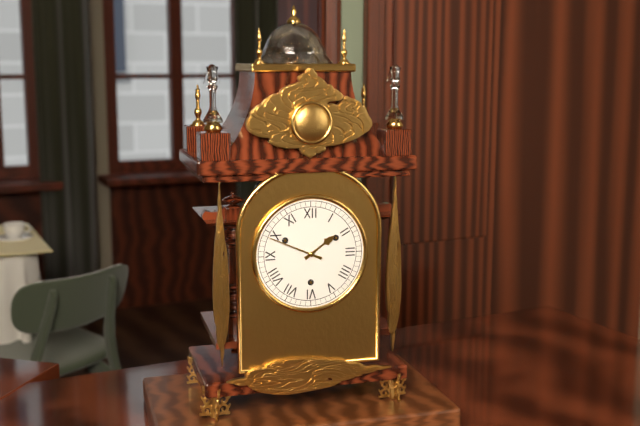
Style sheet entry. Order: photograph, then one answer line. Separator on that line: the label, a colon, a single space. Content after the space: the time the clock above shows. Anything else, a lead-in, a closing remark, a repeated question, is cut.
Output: 1:49
